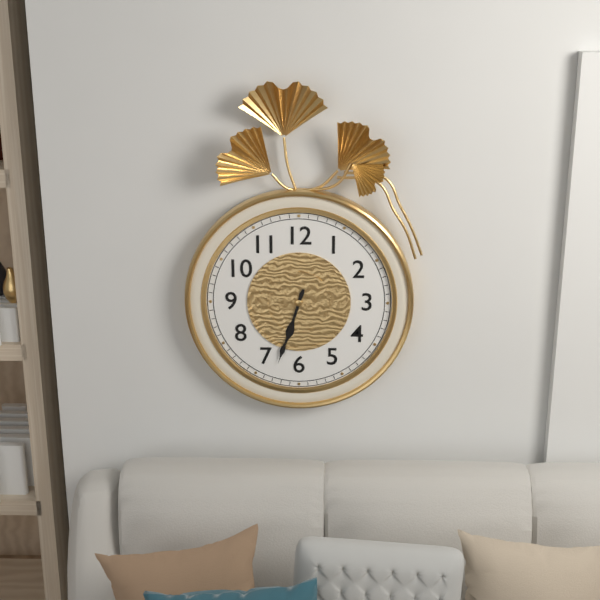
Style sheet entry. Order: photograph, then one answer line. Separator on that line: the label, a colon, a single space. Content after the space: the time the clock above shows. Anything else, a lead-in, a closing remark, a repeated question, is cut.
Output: 6:33
